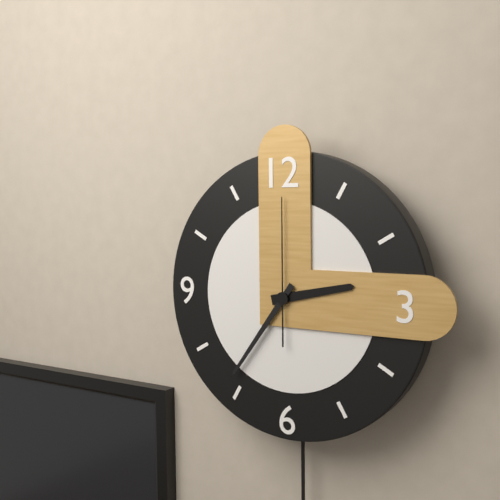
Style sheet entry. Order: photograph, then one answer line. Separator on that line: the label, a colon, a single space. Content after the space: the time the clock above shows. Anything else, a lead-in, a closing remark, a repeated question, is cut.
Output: 2:36:00
